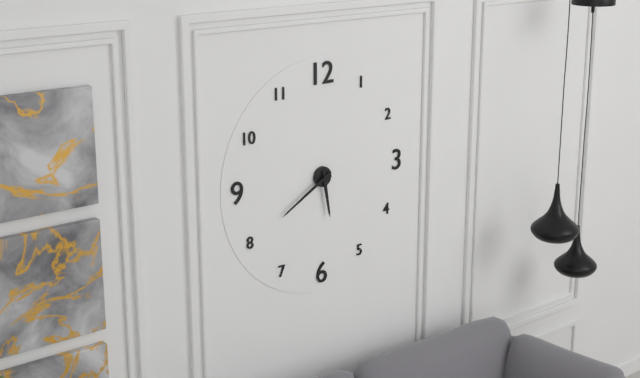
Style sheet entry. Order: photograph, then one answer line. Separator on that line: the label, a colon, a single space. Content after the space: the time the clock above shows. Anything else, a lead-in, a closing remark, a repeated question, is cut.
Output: 5:40
